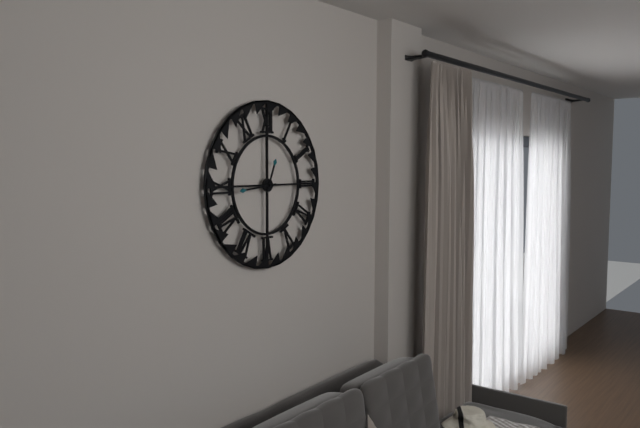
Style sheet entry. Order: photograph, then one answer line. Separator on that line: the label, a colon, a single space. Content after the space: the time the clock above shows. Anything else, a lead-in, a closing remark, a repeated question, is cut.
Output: 12:44
